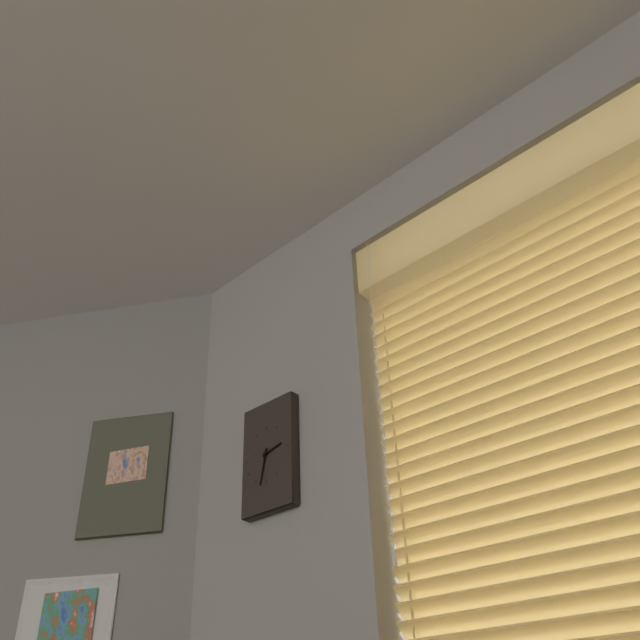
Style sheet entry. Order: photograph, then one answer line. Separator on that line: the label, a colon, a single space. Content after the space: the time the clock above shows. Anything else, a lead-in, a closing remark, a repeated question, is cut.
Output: 2:32
